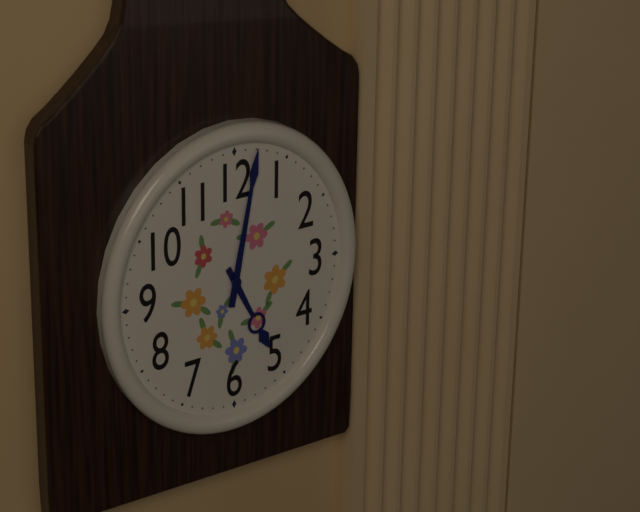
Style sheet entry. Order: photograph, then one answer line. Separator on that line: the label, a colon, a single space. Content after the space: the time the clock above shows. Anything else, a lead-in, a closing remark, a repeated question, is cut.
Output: 5:02
